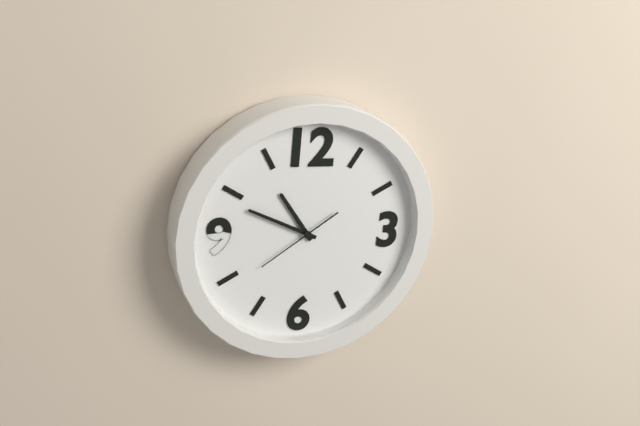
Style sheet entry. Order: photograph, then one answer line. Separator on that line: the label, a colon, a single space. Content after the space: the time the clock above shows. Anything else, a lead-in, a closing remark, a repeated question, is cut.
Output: 10:49:39
